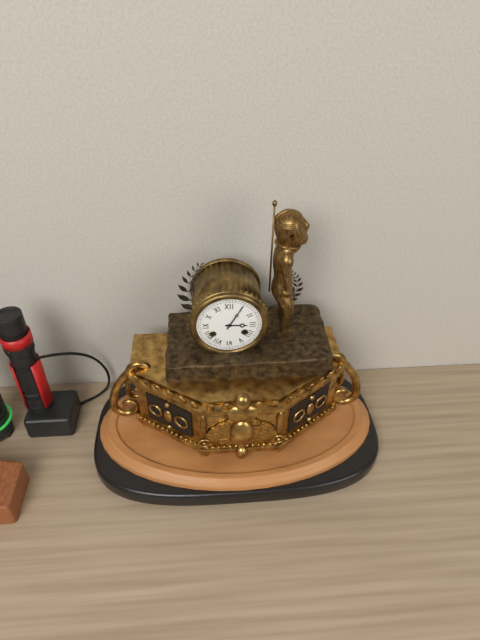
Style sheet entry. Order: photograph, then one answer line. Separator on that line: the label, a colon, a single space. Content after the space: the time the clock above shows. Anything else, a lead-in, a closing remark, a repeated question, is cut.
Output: 3:05
